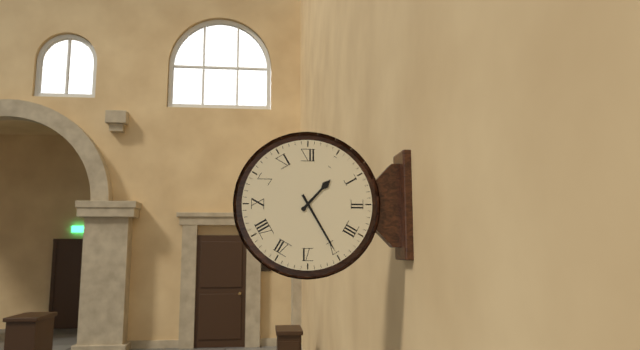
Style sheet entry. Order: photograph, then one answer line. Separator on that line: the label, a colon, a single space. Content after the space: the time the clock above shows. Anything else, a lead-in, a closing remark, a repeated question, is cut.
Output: 1:25
